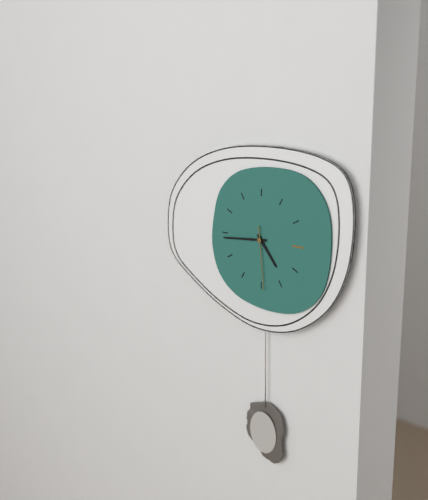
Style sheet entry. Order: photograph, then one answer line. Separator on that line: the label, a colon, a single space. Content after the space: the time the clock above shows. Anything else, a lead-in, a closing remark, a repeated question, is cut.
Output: 4:44:29
